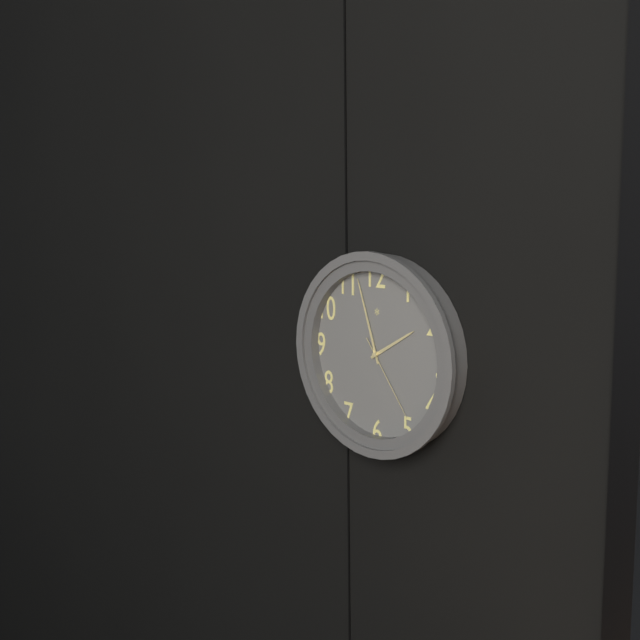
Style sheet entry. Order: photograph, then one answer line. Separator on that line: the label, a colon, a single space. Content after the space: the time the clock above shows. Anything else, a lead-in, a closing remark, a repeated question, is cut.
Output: 1:57:24
